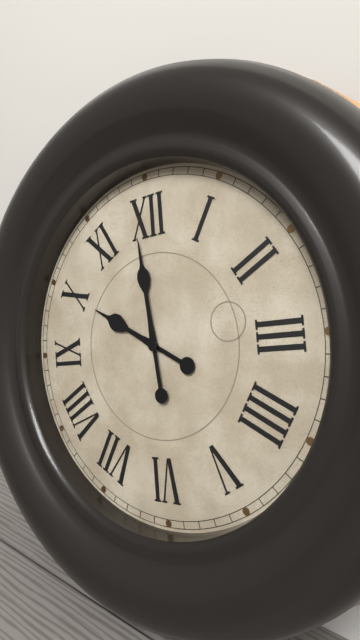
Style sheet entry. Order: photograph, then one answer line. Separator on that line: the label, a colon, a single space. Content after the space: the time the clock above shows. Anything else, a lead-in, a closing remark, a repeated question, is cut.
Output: 9:59
